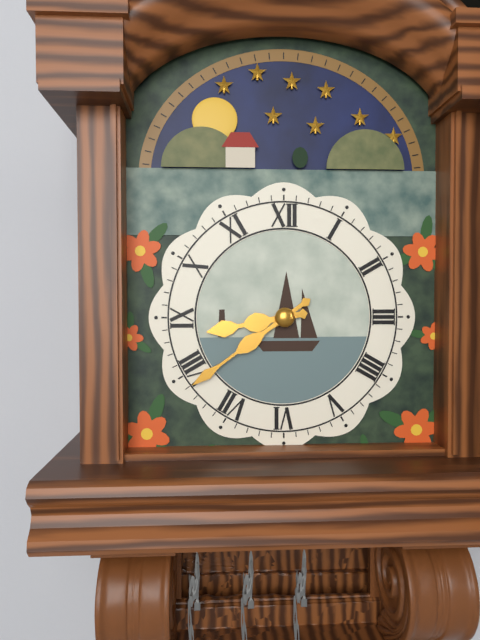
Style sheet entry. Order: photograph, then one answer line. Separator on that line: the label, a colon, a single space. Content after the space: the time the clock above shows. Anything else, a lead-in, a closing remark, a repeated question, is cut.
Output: 8:39
